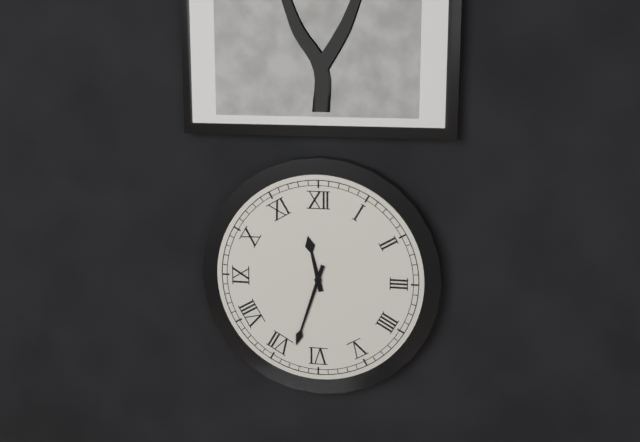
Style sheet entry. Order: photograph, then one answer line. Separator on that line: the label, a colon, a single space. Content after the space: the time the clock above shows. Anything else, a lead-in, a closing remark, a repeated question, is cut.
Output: 11:33
